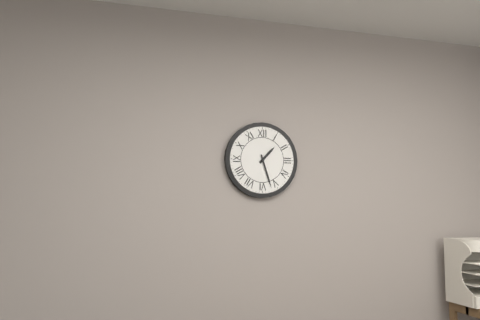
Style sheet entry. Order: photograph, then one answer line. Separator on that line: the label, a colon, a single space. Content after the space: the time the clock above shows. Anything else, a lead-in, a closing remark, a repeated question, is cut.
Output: 1:27
